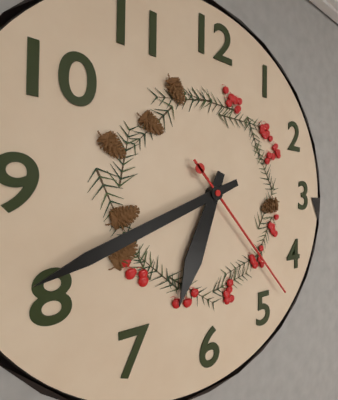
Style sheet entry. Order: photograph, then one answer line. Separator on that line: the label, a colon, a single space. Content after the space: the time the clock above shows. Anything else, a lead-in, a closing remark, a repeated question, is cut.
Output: 6:41:23
